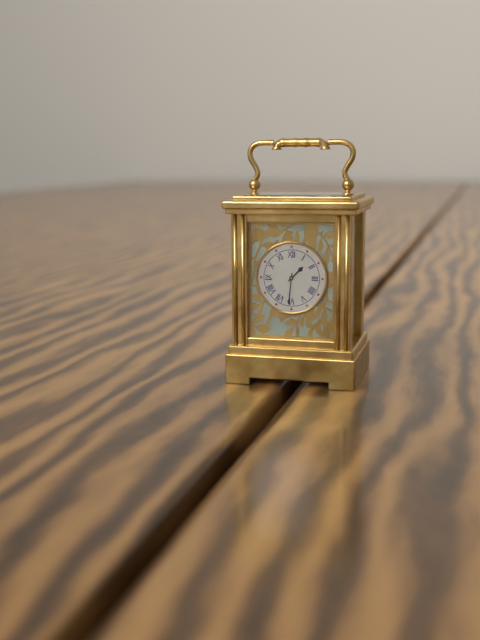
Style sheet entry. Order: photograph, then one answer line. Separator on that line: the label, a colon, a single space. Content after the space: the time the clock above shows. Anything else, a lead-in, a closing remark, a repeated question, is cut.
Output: 1:31
